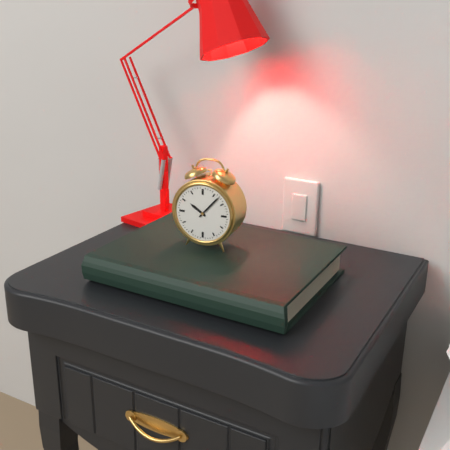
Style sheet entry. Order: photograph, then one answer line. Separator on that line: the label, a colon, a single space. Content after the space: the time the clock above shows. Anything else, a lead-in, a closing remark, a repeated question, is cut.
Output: 10:07
